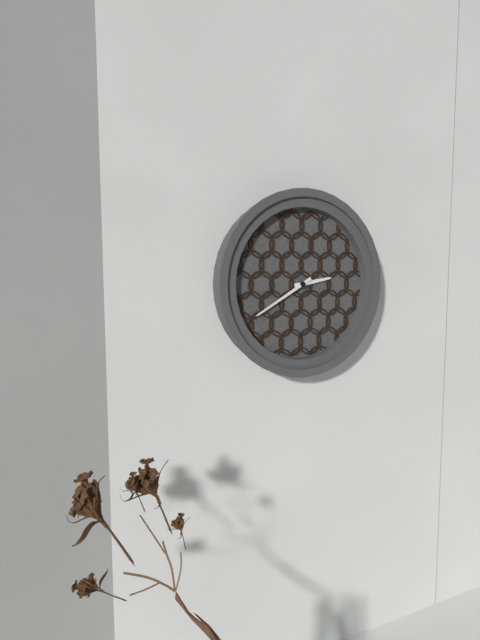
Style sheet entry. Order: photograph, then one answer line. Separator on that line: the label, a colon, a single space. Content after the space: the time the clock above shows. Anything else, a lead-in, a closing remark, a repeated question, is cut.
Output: 2:40
